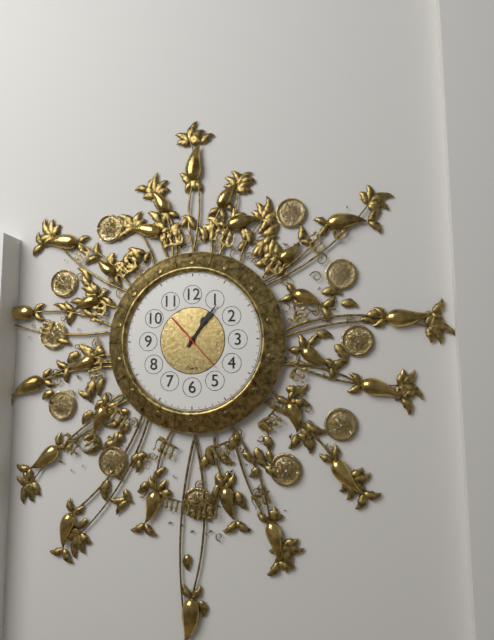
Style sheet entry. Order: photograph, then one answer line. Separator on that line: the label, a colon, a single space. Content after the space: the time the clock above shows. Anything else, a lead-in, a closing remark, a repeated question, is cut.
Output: 1:06
